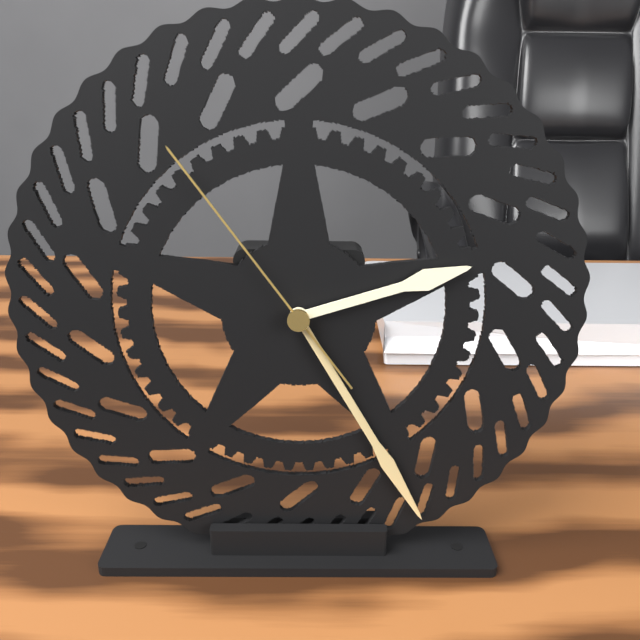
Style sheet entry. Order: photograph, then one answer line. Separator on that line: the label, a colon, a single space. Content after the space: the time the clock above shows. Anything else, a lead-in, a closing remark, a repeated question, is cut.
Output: 2:25:54
